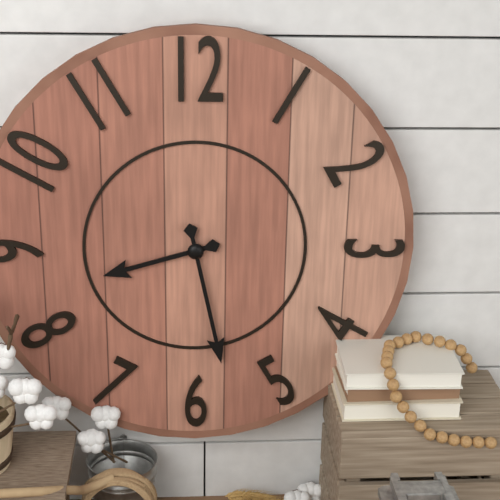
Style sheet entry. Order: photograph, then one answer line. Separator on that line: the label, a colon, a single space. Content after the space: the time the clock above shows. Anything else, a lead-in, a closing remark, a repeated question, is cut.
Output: 8:28
